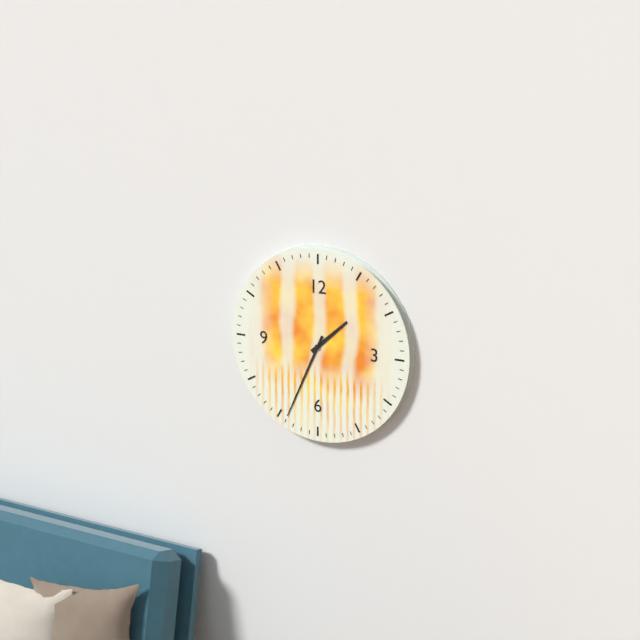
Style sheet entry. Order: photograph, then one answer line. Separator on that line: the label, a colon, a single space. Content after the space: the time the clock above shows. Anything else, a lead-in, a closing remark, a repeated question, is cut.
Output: 1:34
